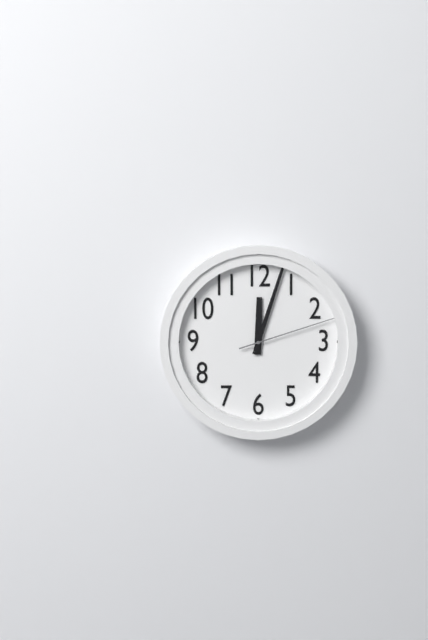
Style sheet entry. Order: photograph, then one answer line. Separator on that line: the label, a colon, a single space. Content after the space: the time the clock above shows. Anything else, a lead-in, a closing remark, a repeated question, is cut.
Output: 12:03:12
